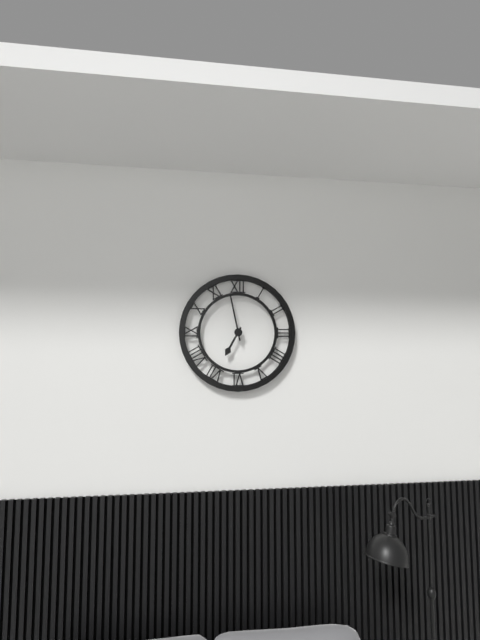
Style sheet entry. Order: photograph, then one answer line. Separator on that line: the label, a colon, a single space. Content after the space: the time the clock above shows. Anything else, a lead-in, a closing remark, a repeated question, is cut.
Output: 6:58
